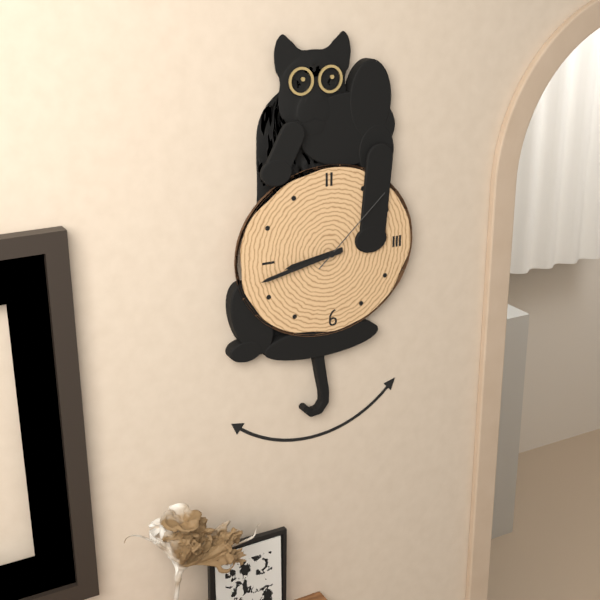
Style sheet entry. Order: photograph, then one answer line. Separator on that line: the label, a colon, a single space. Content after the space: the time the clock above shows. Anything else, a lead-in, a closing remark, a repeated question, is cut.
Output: 8:43:08
